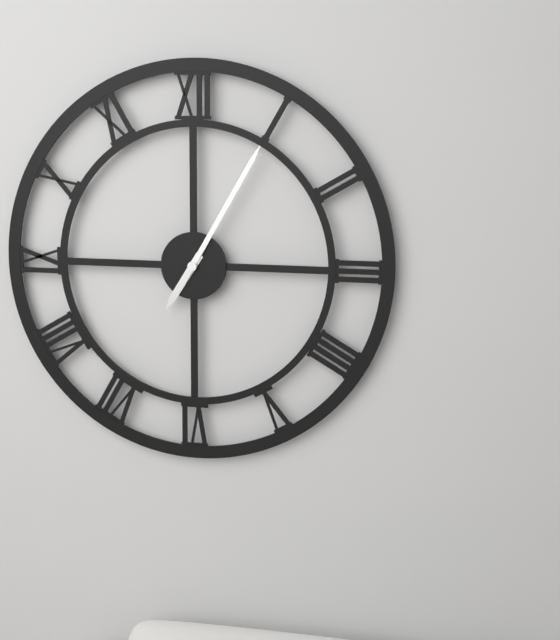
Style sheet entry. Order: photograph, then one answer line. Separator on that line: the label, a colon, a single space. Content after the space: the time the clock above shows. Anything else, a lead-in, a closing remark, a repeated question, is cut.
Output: 7:05
